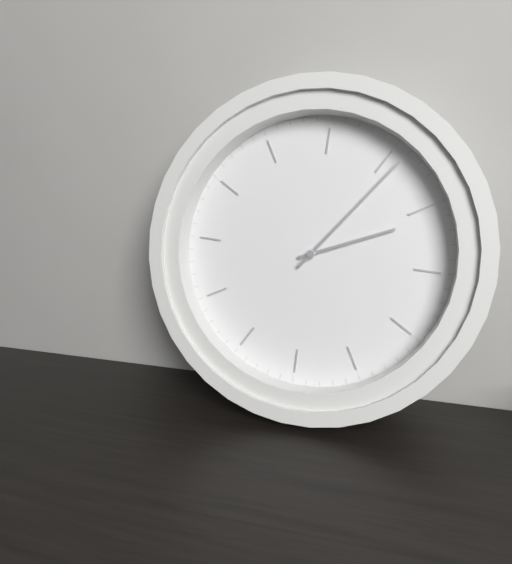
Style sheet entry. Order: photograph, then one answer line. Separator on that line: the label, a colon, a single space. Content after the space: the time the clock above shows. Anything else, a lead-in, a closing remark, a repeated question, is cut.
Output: 3:11
